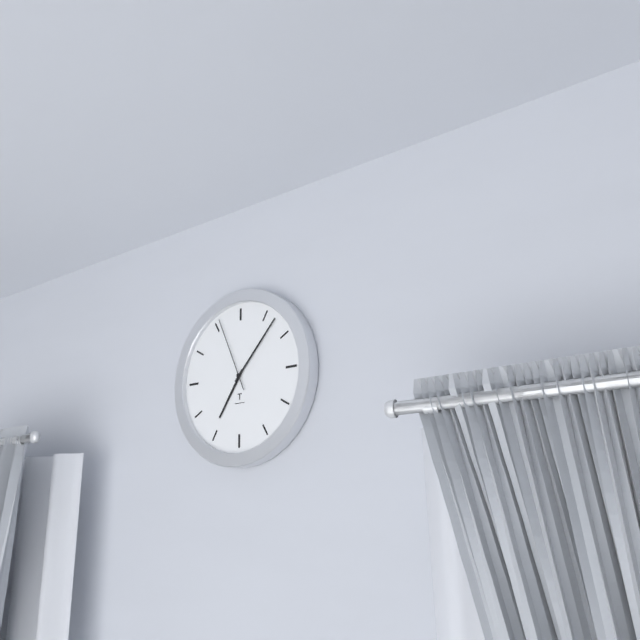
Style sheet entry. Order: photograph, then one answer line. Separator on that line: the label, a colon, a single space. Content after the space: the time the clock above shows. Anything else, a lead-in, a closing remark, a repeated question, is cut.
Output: 7:07:56
